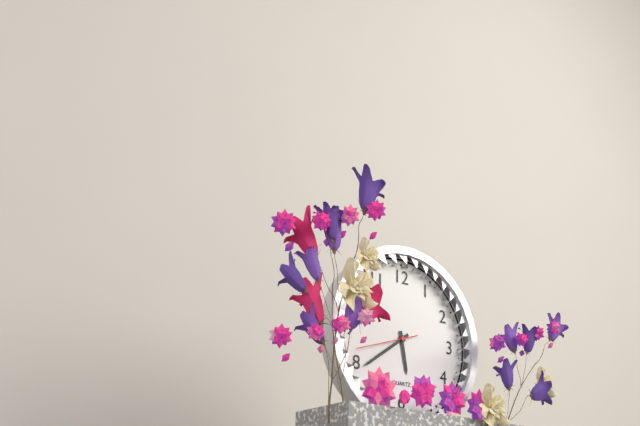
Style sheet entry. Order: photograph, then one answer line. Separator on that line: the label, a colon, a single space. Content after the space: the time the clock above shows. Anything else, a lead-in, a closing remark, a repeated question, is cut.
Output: 5:39:42
